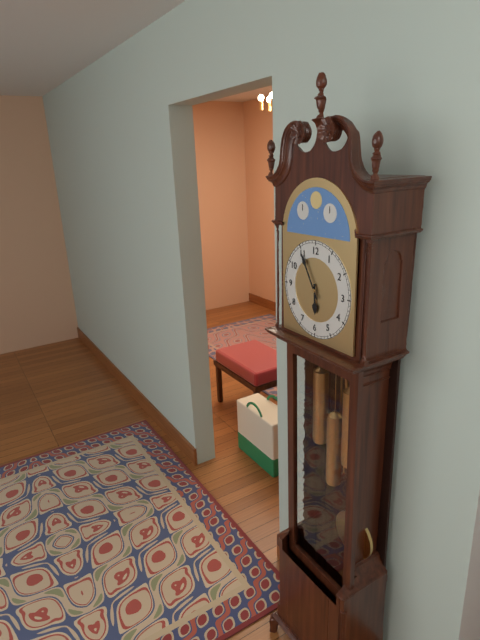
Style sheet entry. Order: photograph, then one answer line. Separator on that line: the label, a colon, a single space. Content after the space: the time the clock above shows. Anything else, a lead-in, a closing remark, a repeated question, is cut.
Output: 5:55
